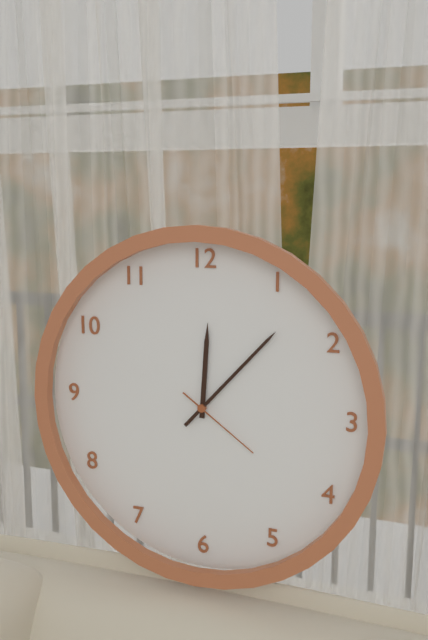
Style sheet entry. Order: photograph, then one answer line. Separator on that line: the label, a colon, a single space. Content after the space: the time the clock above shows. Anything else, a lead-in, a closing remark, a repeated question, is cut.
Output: 12:07:21
